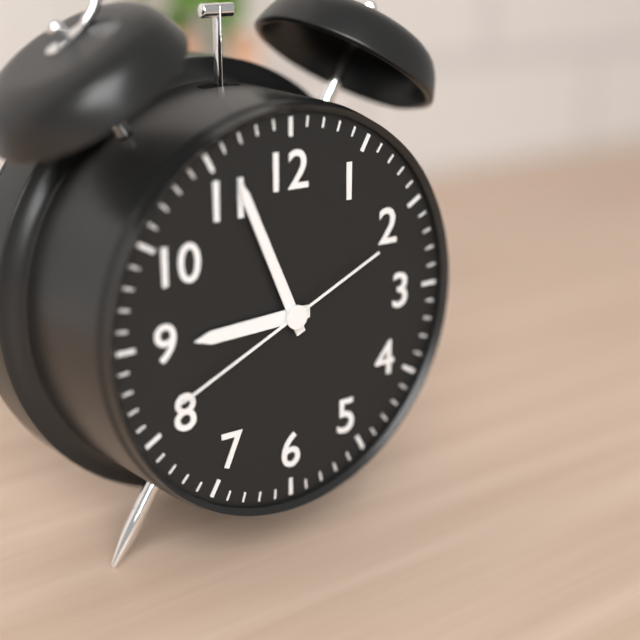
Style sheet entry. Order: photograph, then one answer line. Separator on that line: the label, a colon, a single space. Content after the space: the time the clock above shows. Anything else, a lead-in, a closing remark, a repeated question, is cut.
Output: 8:56:41
